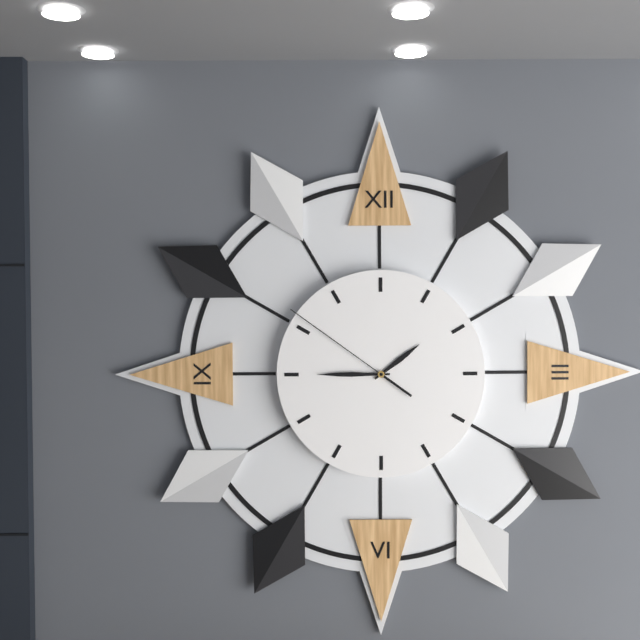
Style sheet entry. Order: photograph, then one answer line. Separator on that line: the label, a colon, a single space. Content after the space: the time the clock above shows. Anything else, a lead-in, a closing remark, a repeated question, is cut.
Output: 1:45:51
